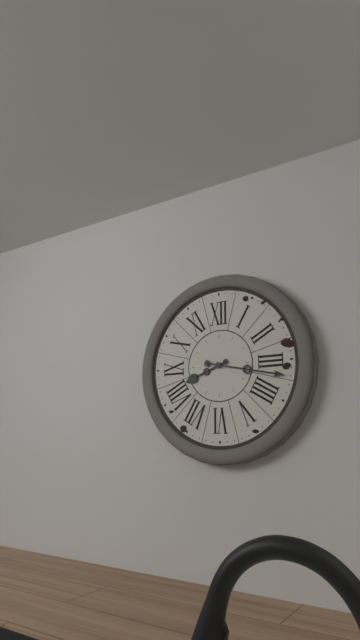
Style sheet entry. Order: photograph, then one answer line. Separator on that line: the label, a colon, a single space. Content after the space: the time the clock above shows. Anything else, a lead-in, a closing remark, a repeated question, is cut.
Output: 8:17
